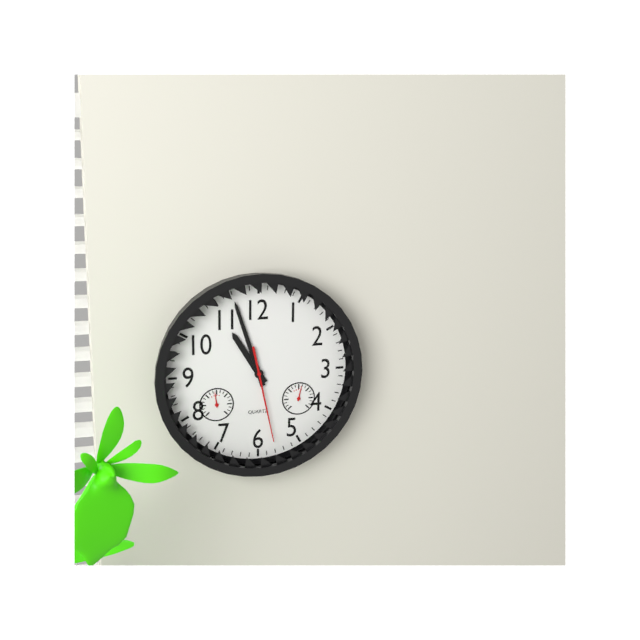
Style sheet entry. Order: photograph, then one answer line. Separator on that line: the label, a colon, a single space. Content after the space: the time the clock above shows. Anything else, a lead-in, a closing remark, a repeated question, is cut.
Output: 10:57:28
